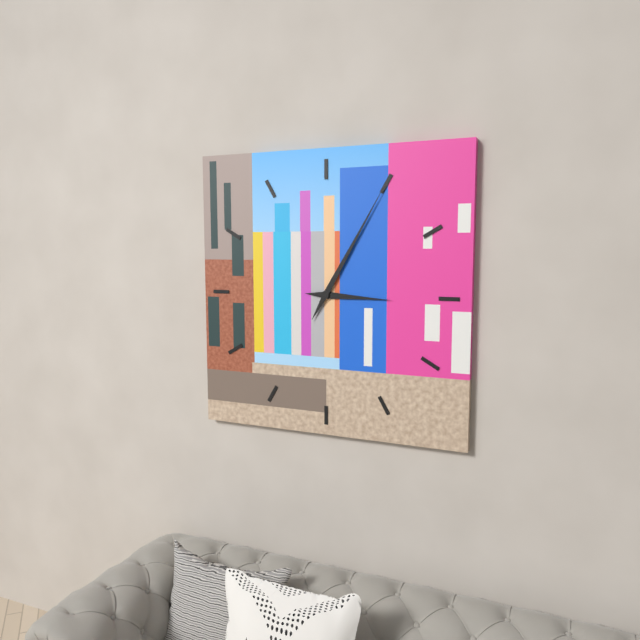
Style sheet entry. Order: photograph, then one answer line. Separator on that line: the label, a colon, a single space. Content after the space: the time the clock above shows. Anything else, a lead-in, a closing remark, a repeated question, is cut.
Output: 3:05
